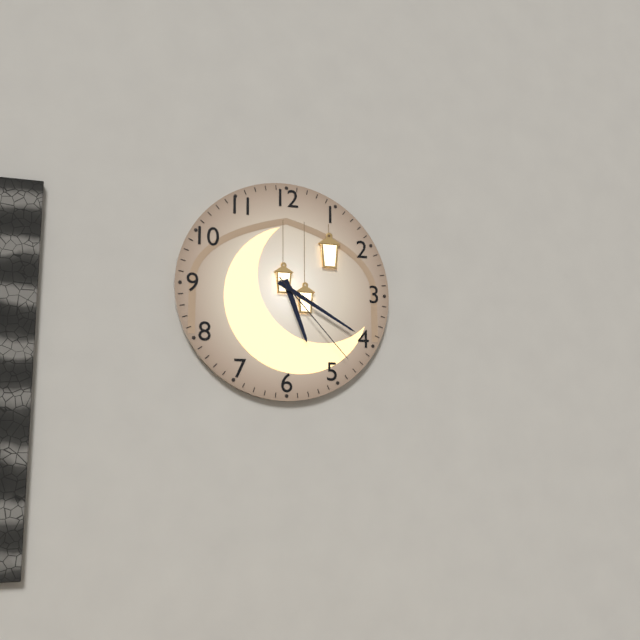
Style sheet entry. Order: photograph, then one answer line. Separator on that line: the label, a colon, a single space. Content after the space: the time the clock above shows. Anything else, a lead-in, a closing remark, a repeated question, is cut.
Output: 5:20:23
